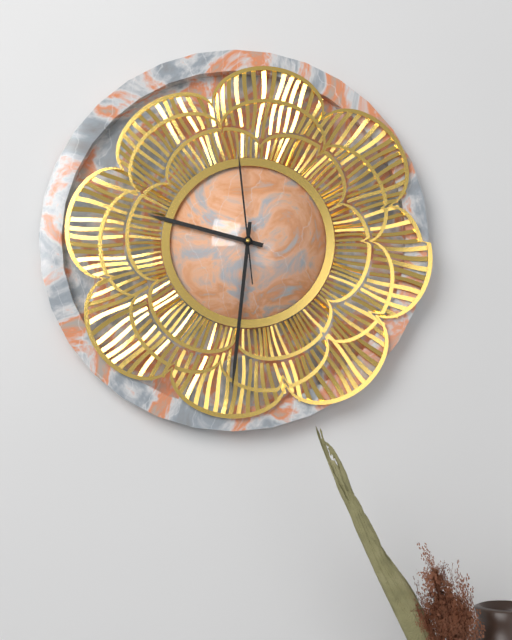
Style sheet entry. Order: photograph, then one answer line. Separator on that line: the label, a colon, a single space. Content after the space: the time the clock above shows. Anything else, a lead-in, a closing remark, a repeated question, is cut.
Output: 9:31:59
